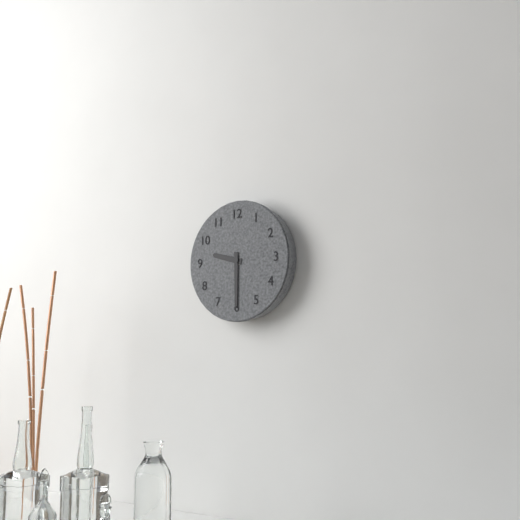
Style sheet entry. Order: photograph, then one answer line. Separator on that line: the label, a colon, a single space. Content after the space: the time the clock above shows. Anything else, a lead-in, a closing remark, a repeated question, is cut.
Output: 9:30
